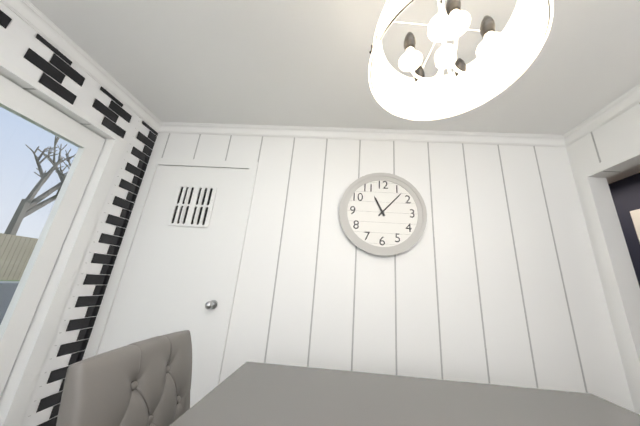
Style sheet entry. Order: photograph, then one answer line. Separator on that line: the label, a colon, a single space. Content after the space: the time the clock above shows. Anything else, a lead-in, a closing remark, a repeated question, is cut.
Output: 11:07
